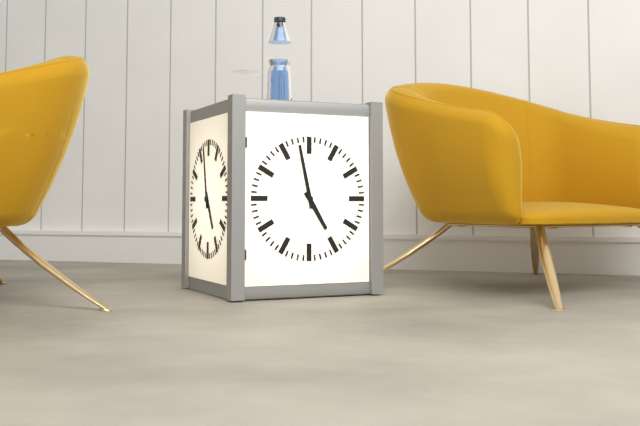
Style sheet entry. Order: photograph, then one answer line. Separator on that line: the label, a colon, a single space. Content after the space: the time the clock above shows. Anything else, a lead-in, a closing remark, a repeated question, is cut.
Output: 4:58
